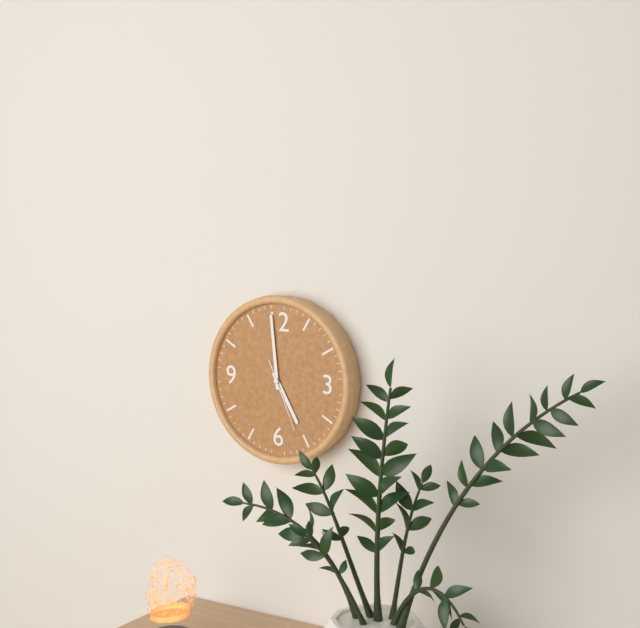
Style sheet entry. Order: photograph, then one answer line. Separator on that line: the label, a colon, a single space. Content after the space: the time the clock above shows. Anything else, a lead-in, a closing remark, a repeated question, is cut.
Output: 4:59:26
